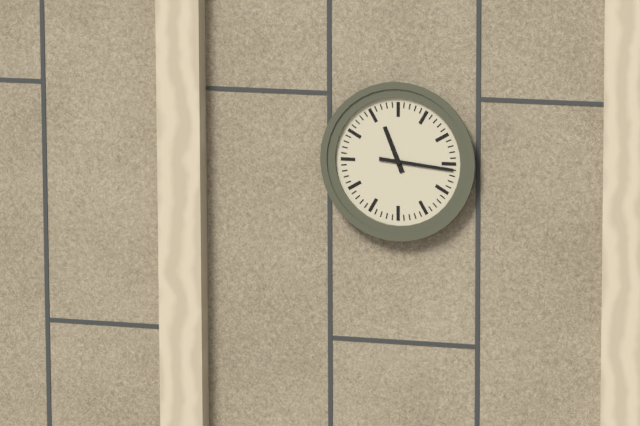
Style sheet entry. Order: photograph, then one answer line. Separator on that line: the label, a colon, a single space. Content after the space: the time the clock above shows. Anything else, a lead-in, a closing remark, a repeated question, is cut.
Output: 11:16
